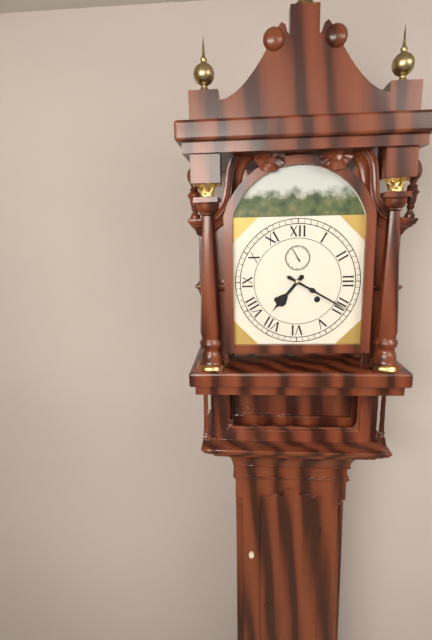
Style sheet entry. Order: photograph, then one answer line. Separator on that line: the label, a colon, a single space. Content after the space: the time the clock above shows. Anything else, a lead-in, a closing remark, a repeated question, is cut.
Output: 7:20
